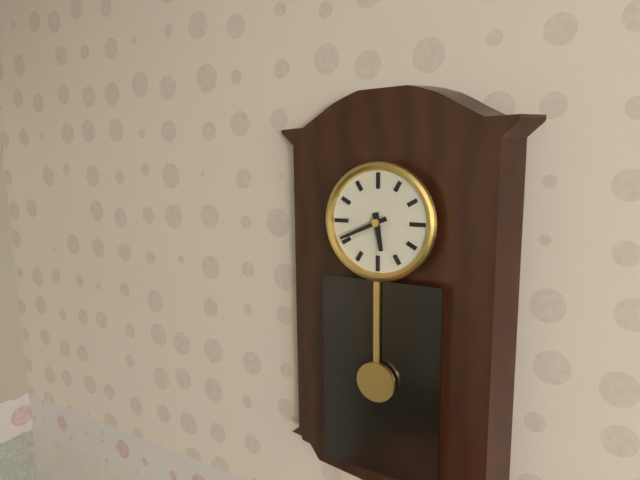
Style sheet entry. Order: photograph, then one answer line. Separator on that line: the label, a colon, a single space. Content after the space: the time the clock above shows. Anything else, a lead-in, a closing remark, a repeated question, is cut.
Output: 5:41
